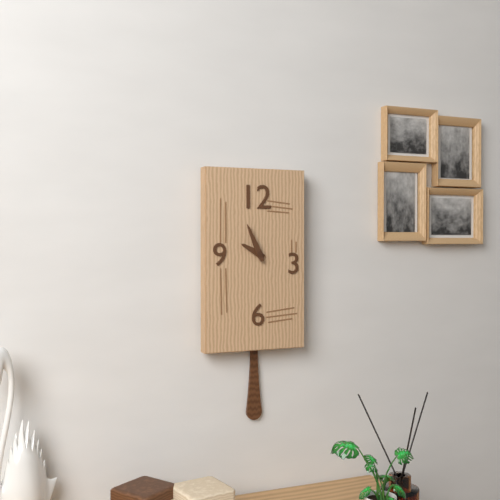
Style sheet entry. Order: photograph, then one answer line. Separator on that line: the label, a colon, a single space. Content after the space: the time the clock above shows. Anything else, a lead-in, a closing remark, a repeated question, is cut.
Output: 9:56
